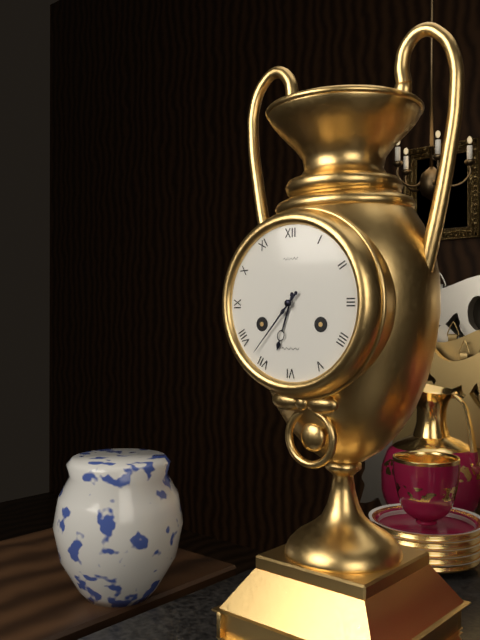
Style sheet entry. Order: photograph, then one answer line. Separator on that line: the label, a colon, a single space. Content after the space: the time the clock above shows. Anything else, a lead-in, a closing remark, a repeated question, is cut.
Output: 6:37
